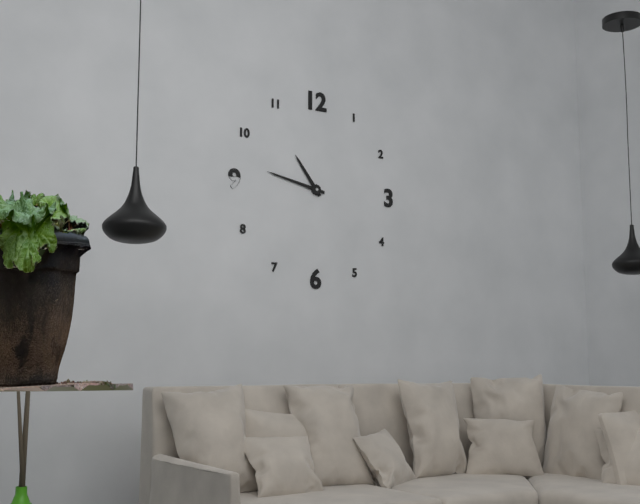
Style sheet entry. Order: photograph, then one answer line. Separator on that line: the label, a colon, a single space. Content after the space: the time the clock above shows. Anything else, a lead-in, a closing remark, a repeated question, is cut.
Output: 10:47
